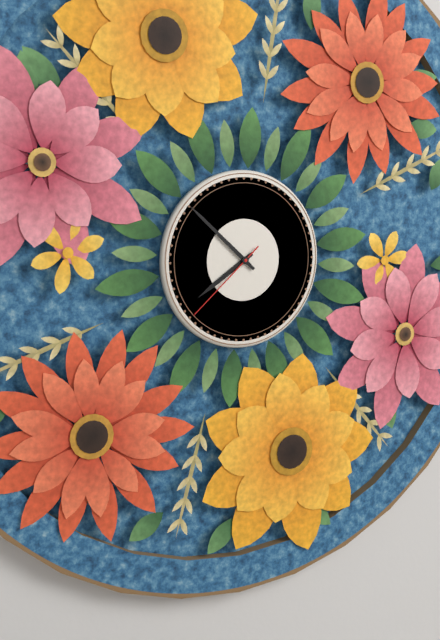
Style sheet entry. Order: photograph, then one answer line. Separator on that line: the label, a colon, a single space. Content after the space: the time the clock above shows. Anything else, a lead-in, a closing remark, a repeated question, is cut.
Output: 7:52:38
